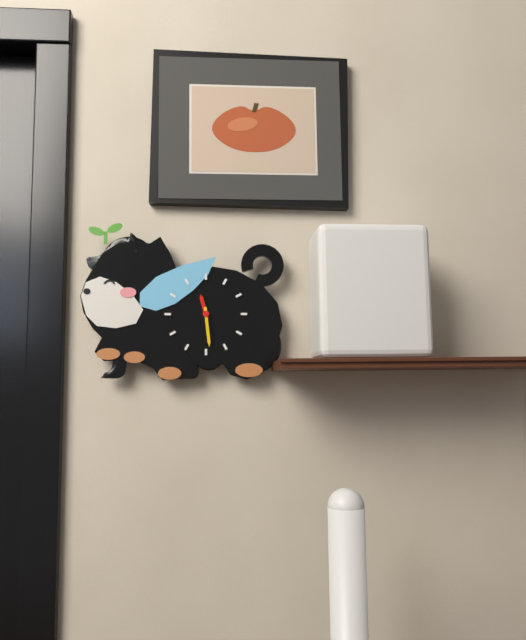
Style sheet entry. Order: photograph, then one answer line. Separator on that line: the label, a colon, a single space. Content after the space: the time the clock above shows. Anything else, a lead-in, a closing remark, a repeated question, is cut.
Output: 11:29
